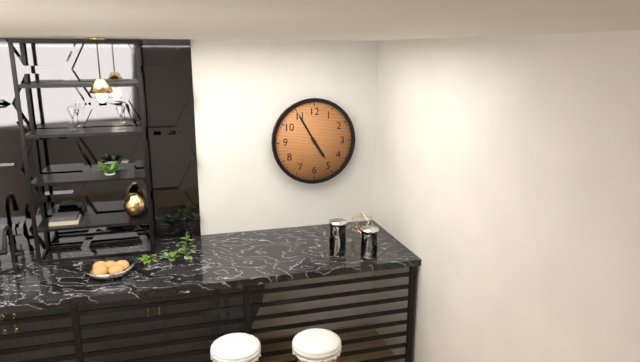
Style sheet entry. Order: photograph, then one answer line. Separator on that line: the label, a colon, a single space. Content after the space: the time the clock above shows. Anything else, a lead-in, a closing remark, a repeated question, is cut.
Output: 4:55
